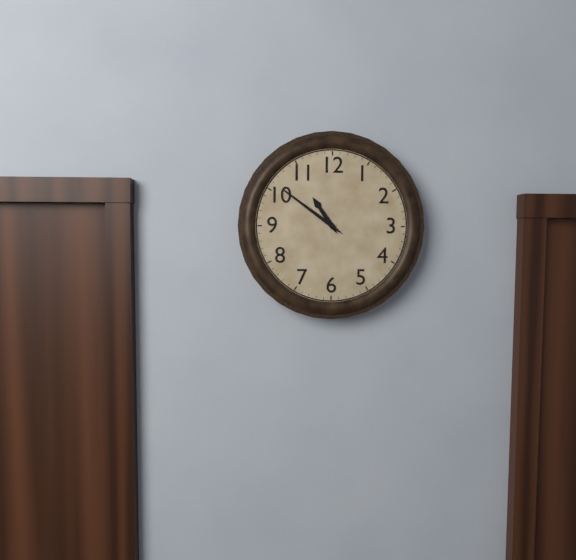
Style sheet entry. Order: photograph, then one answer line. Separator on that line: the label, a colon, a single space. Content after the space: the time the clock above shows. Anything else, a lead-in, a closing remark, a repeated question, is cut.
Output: 10:51
